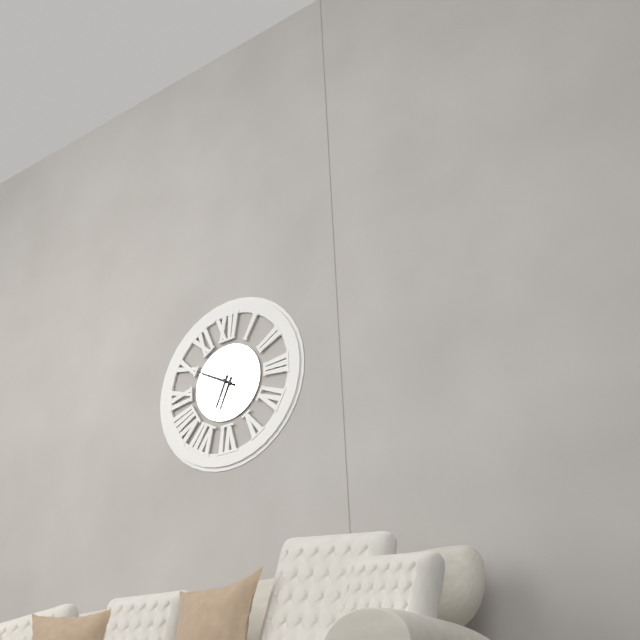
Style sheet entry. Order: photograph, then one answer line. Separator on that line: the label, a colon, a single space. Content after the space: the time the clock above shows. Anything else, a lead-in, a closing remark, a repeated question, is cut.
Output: 6:50
